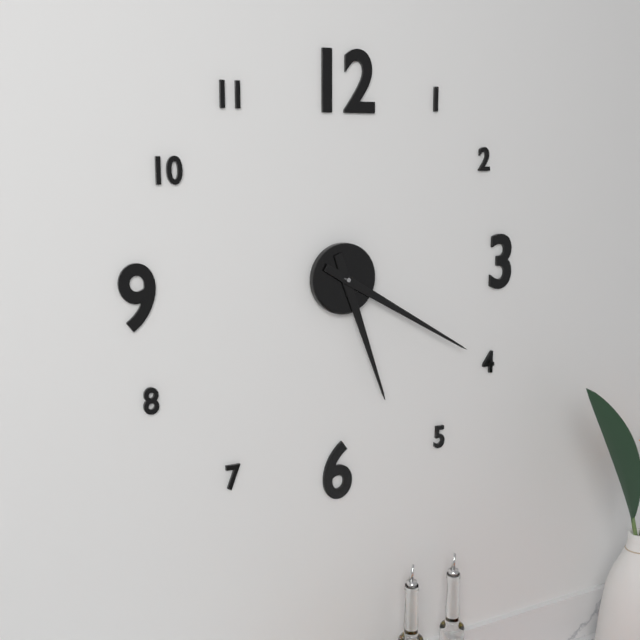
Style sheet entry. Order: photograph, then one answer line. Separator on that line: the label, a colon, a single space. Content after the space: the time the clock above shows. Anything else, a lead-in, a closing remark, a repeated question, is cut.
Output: 5:20
